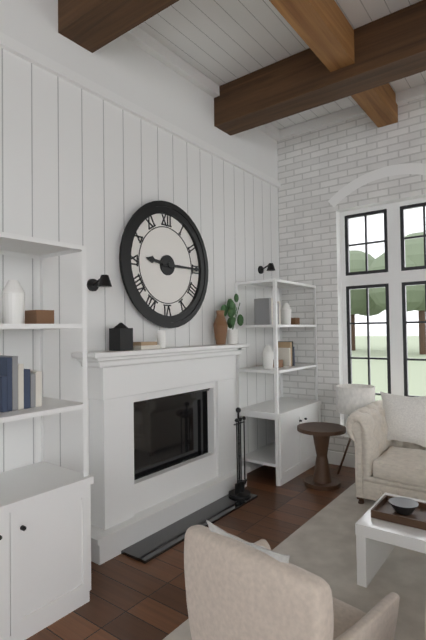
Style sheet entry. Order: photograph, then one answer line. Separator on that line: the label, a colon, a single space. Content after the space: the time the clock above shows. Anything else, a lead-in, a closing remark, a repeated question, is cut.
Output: 9:15
